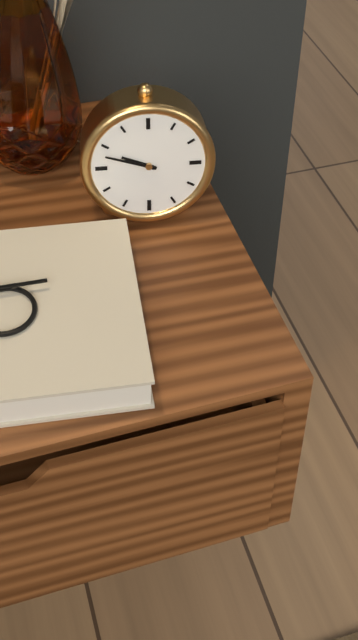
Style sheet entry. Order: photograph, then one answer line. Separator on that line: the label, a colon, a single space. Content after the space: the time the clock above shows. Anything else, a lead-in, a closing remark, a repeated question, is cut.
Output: 9:48
